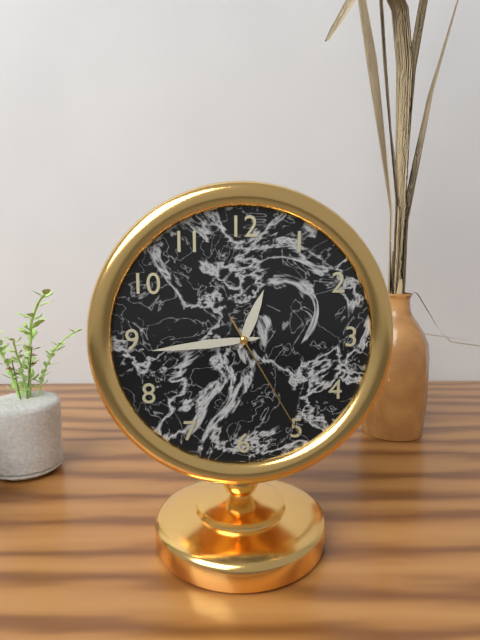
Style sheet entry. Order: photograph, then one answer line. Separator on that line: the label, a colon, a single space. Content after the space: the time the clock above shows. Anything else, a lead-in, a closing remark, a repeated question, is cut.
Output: 12:44:25
